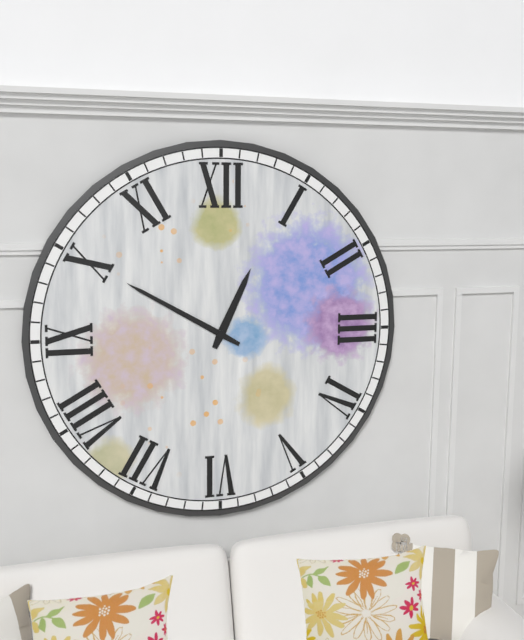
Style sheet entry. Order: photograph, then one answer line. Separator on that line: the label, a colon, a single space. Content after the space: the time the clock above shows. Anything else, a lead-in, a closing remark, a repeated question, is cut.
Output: 12:50
